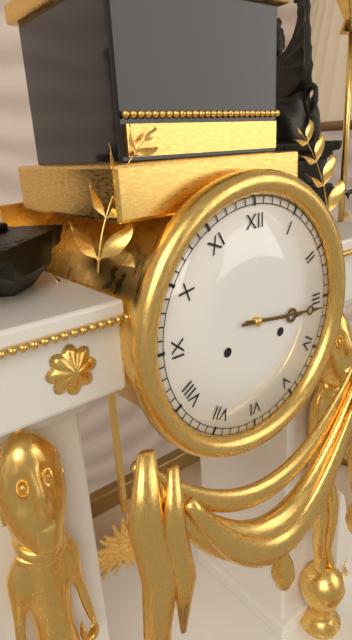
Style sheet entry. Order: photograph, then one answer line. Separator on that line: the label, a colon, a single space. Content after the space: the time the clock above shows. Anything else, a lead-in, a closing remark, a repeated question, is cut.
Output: 3:16
